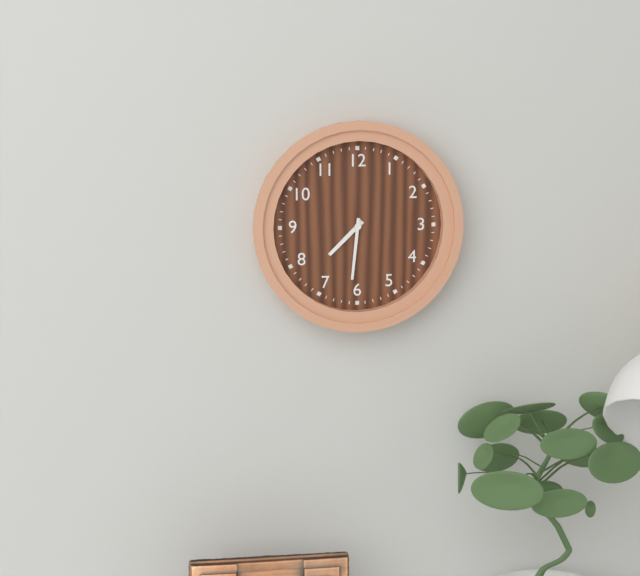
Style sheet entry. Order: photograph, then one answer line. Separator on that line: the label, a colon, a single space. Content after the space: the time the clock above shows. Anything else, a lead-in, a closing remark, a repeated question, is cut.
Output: 7:31
